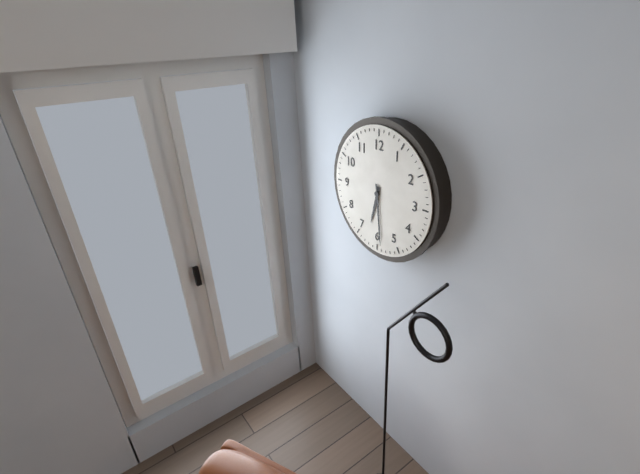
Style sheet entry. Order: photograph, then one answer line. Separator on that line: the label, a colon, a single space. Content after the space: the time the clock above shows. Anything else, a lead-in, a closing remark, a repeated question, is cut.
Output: 6:29
